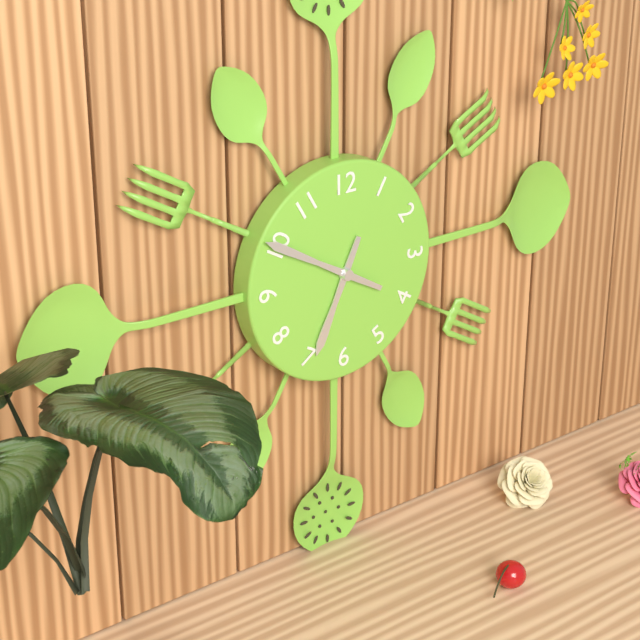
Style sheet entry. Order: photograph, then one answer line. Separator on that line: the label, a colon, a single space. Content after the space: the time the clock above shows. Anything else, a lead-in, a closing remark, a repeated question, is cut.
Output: 6:50
